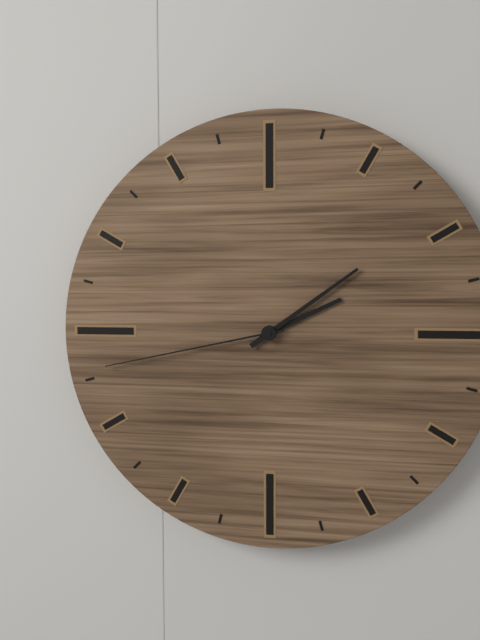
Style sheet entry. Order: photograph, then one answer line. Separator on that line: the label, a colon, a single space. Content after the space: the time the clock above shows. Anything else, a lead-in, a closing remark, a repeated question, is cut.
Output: 2:09:43
